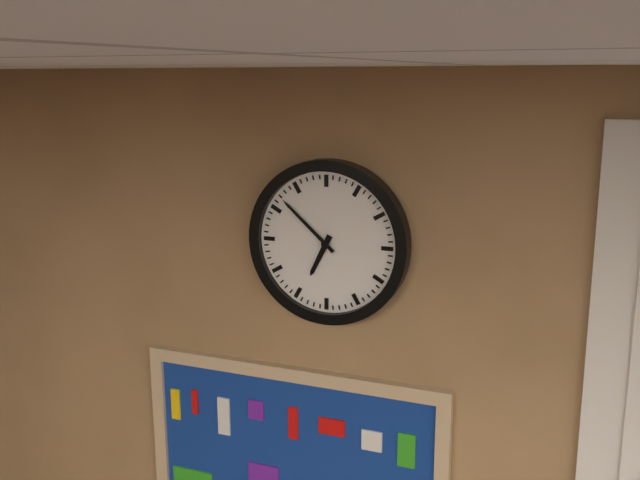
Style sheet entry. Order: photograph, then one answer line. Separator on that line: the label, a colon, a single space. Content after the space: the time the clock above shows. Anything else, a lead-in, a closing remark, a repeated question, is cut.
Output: 6:52
